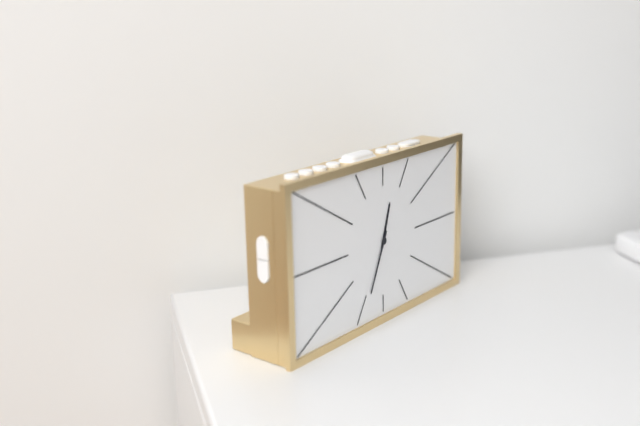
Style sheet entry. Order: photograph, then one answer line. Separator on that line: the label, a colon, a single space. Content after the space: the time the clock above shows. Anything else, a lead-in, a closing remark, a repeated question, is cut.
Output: 12:34
